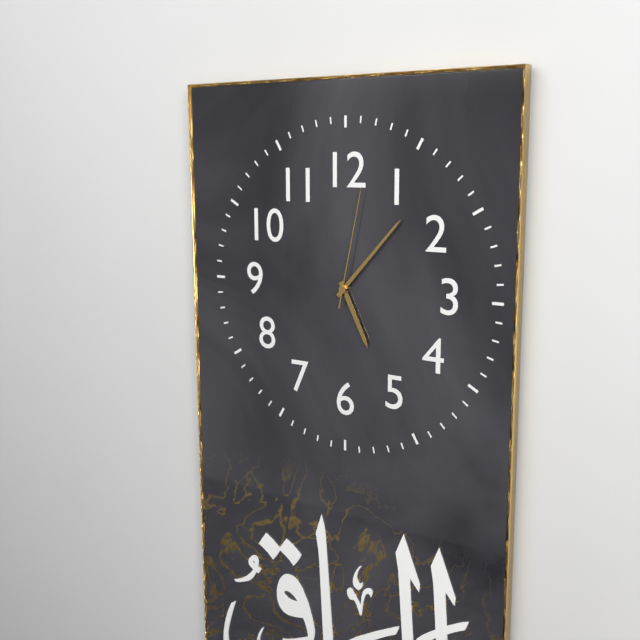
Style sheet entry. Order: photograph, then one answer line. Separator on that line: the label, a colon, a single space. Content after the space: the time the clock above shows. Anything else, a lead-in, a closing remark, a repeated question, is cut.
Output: 5:07:02
